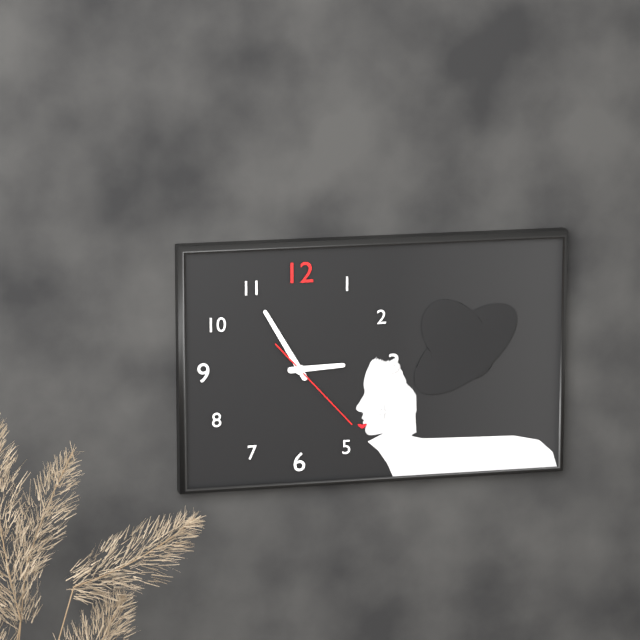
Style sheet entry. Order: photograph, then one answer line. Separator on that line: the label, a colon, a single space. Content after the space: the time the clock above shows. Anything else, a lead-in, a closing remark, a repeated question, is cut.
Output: 2:55:23
